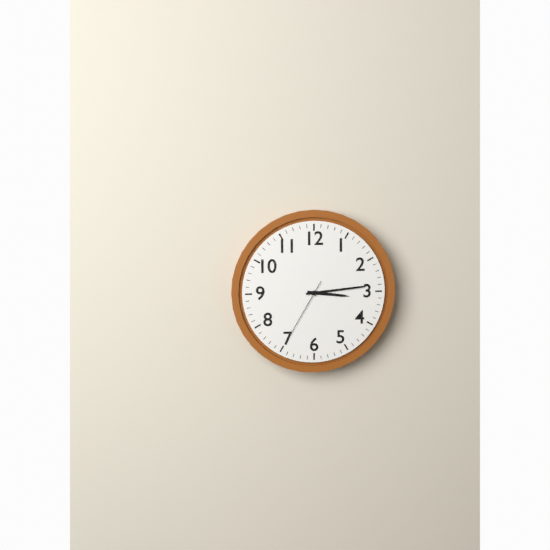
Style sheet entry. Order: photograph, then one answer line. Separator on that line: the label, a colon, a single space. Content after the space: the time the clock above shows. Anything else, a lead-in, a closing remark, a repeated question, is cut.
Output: 3:14:35
